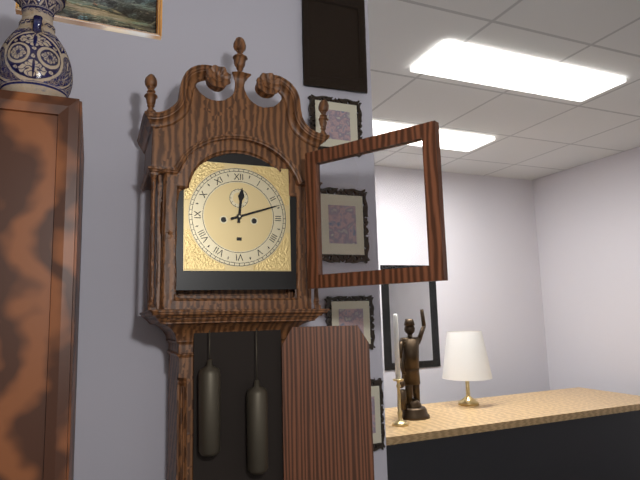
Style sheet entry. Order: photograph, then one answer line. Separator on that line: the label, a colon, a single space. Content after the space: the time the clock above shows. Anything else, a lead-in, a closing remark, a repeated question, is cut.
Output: 12:12
